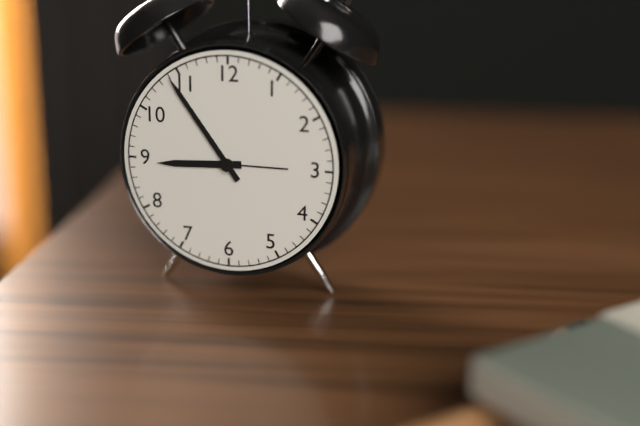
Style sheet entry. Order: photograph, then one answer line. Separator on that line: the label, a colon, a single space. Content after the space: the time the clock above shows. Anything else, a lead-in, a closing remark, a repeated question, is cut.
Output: 8:54
